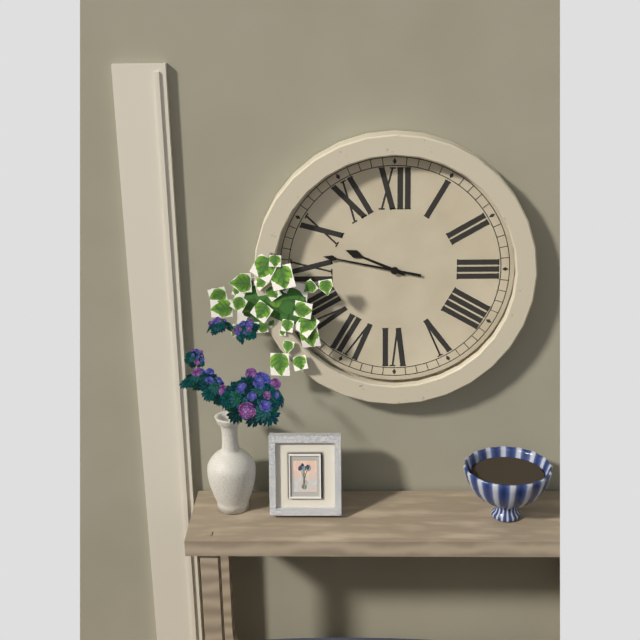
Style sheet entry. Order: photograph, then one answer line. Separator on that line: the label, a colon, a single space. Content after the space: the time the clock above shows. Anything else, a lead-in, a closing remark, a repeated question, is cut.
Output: 9:47
